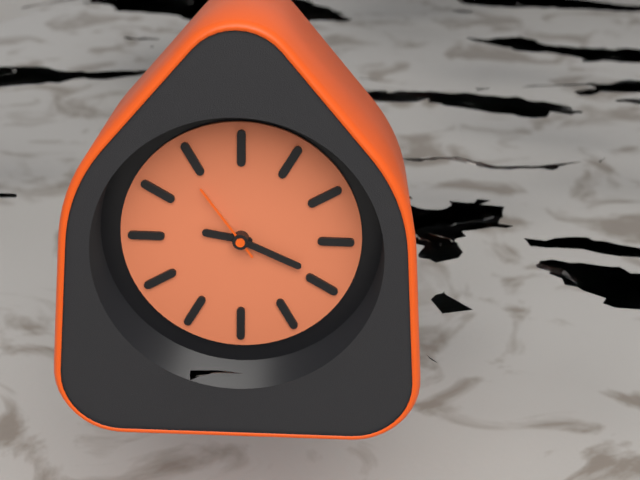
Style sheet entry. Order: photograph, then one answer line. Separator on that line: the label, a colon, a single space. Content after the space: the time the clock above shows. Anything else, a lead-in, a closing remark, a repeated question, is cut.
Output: 9:19:54
